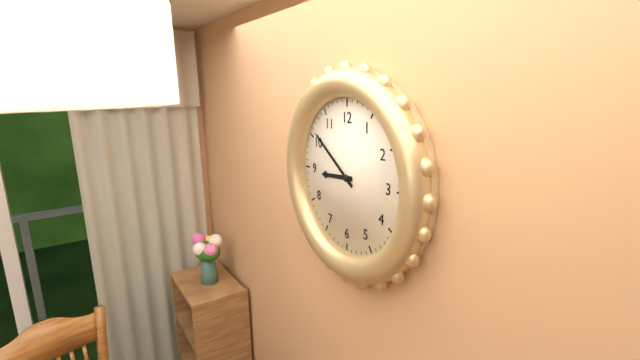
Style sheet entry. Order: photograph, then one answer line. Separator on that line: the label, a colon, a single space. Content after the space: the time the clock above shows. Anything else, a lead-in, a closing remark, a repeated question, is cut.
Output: 8:51
